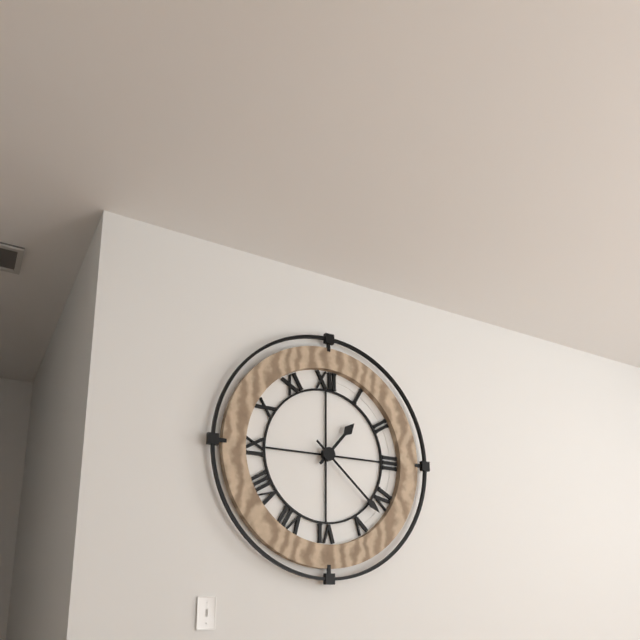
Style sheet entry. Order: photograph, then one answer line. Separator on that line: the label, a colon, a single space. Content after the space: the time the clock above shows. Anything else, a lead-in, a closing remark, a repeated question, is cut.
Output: 1:22
